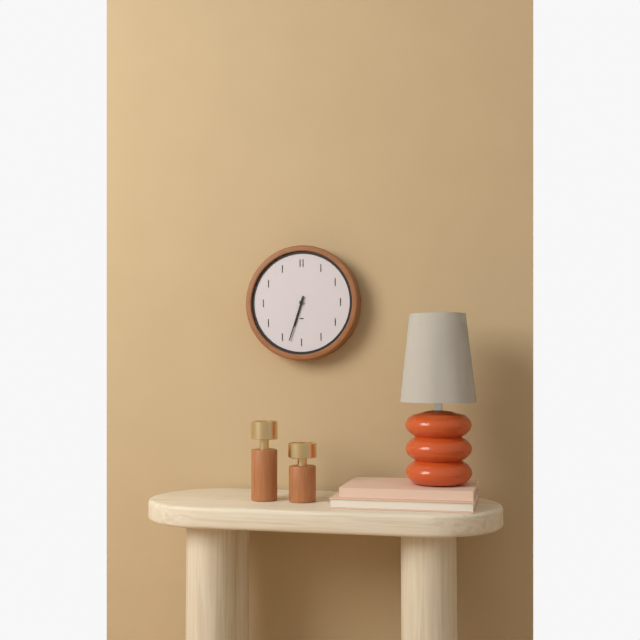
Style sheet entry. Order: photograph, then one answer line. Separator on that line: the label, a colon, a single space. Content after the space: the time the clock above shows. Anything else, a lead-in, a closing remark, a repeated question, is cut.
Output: 6:33
